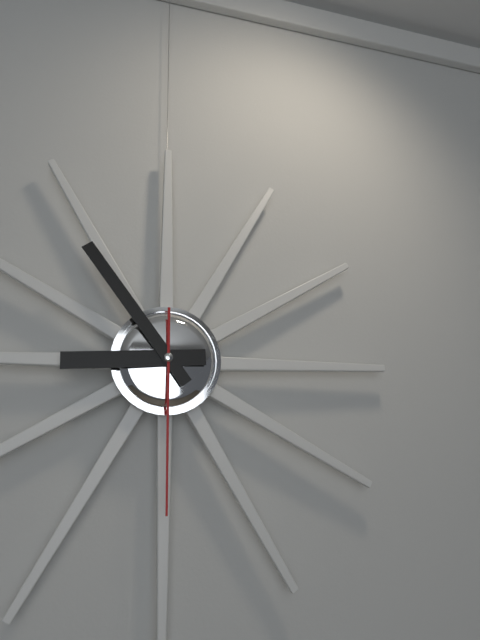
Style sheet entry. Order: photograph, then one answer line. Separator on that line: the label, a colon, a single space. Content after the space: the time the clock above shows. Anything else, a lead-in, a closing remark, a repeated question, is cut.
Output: 8:54:30
